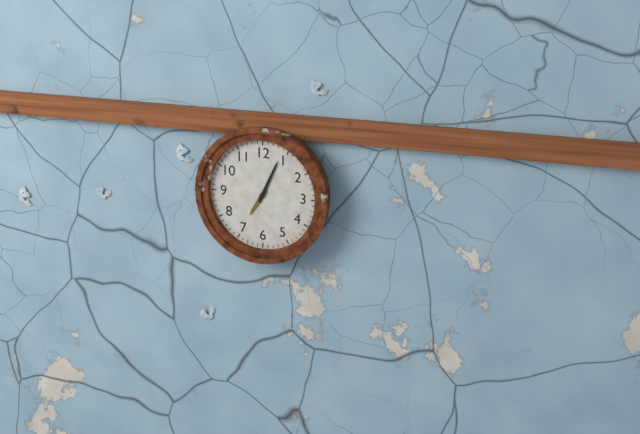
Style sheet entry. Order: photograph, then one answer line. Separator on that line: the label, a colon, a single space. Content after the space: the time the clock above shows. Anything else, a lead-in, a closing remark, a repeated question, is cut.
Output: 7:04
